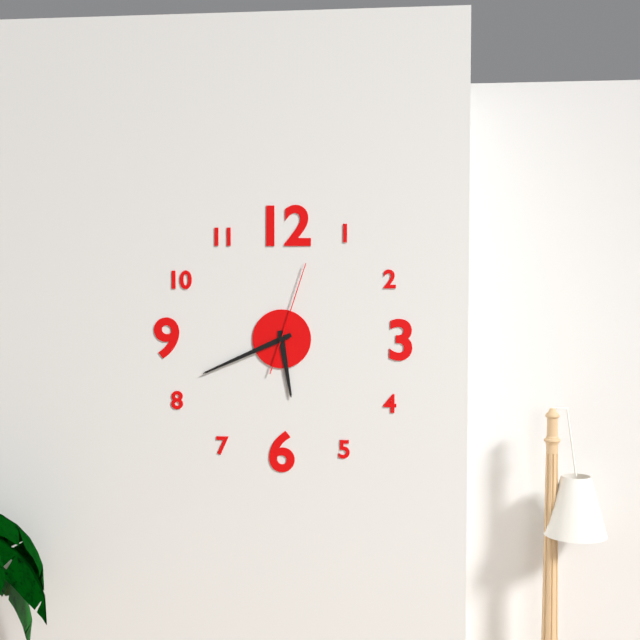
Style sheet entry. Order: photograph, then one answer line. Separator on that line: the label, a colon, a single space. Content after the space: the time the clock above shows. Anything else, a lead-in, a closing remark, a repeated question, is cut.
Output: 5:41:03
